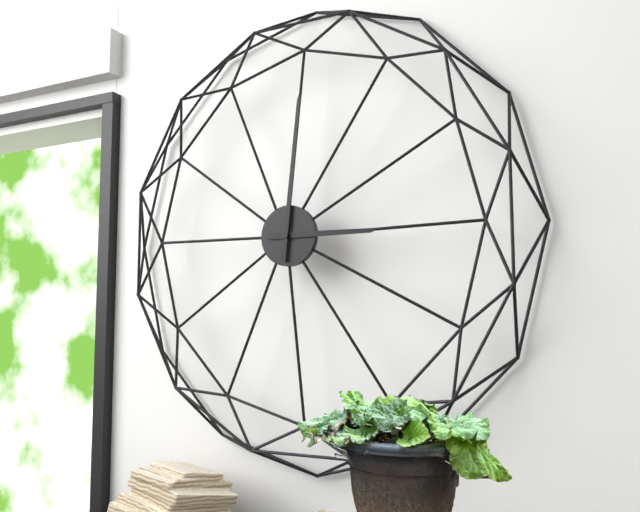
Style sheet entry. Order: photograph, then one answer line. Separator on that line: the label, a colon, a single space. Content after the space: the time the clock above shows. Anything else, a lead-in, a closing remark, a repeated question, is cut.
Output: 3:01
